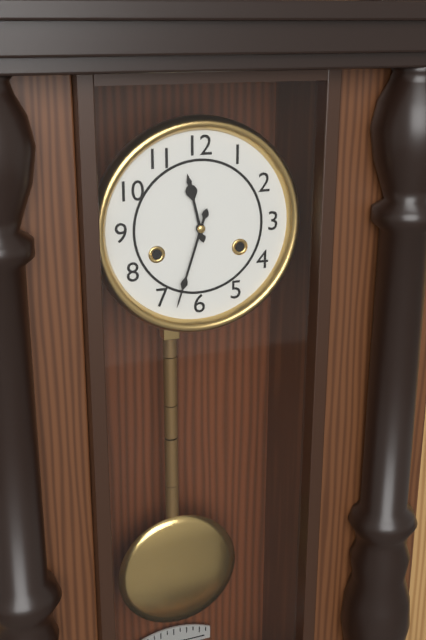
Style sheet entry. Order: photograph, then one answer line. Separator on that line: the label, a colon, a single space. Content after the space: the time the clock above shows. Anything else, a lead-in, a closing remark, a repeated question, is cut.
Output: 11:33
